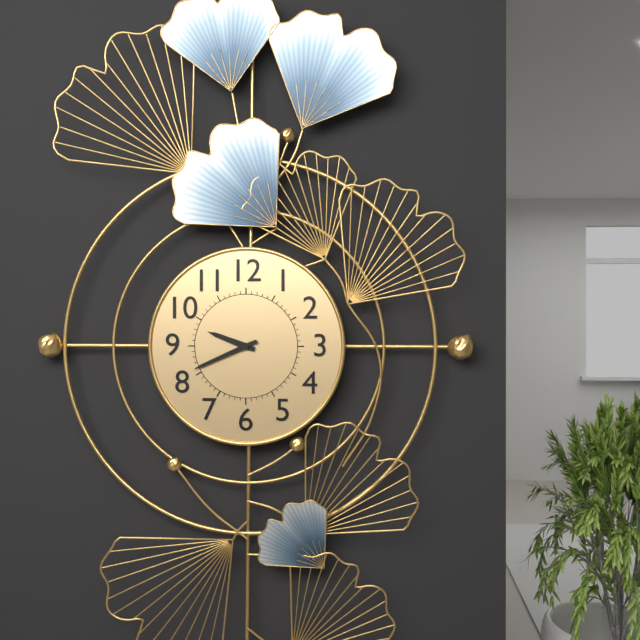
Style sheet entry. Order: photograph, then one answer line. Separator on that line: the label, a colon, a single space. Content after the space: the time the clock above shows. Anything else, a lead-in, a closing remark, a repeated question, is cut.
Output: 9:41
